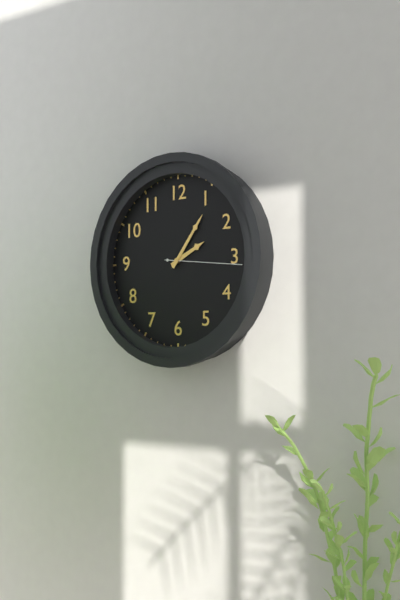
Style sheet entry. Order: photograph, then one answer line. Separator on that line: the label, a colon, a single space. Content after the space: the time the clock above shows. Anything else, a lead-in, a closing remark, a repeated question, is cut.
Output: 2:06:16
